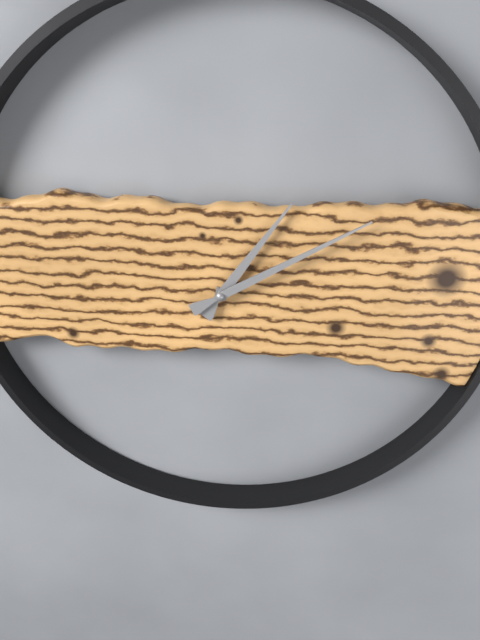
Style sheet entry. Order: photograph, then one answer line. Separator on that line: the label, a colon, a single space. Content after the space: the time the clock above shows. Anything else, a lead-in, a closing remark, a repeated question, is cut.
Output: 1:10
